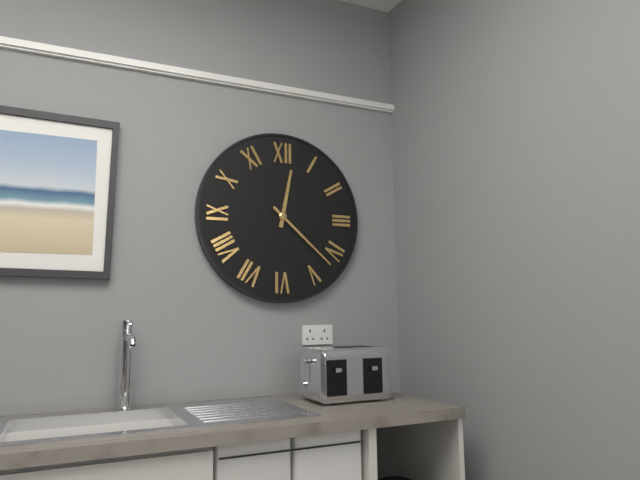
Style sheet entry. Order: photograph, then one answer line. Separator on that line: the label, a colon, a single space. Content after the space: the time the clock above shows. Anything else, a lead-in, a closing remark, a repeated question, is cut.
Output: 12:22
